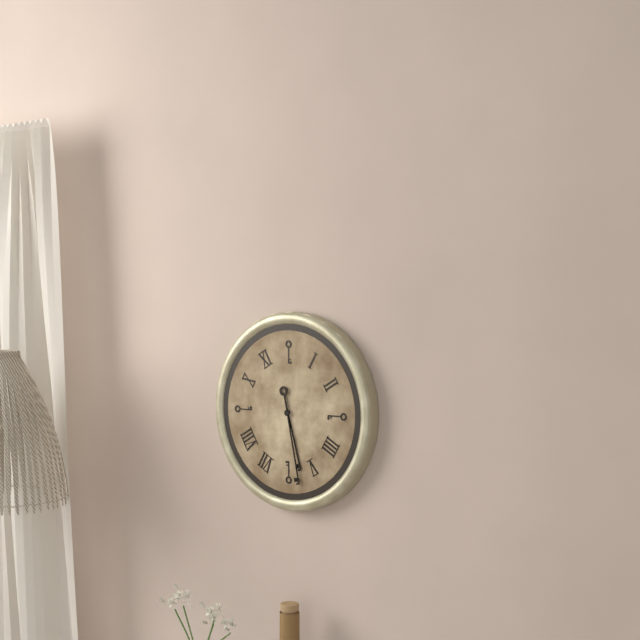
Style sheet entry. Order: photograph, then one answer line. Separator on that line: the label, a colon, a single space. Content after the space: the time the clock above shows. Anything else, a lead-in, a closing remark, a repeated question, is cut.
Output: 5:28
